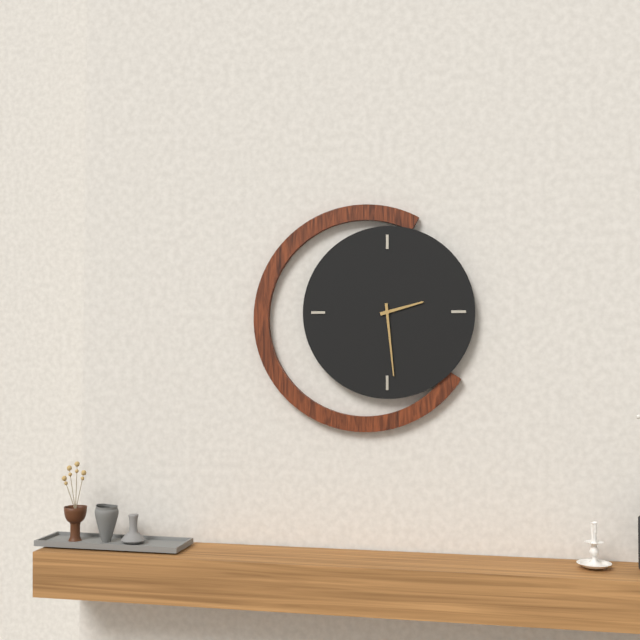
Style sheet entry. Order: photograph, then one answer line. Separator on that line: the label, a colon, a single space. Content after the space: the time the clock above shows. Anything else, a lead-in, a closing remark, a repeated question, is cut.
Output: 2:29
